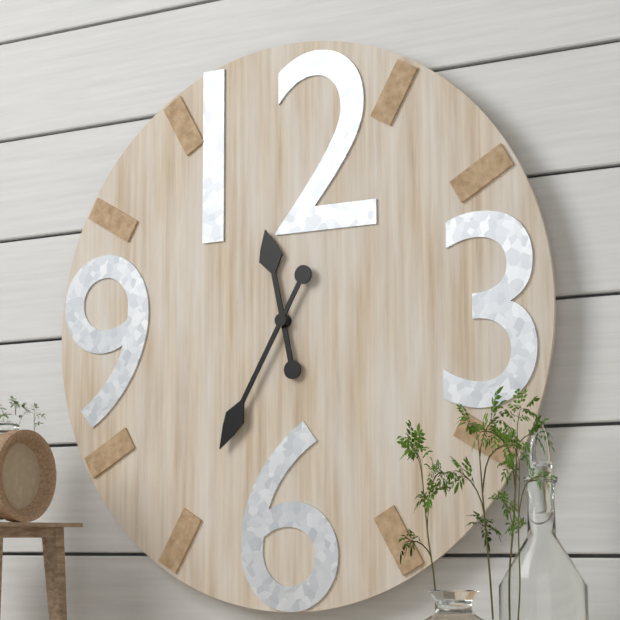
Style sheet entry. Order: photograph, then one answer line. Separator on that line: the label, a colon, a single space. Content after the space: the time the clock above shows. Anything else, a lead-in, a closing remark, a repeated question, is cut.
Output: 11:35
